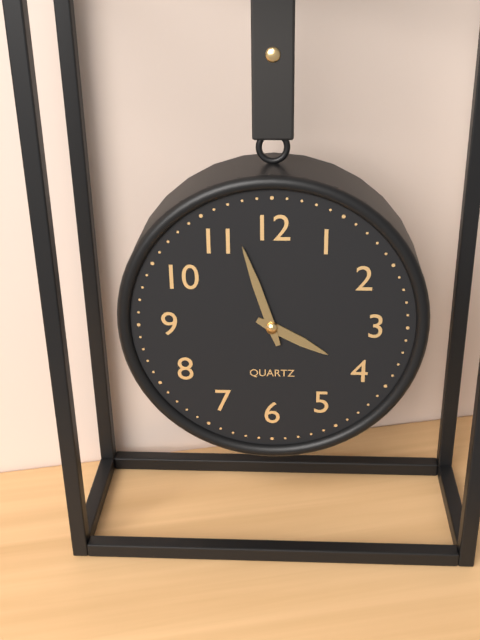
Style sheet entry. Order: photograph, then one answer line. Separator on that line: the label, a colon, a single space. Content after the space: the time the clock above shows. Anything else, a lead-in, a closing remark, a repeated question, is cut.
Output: 3:57
